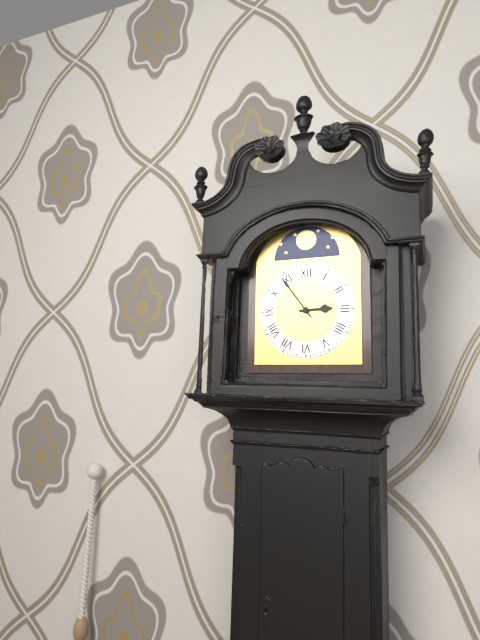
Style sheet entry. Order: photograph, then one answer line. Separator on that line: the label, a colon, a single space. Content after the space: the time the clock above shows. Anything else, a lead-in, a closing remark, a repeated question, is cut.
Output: 2:54
